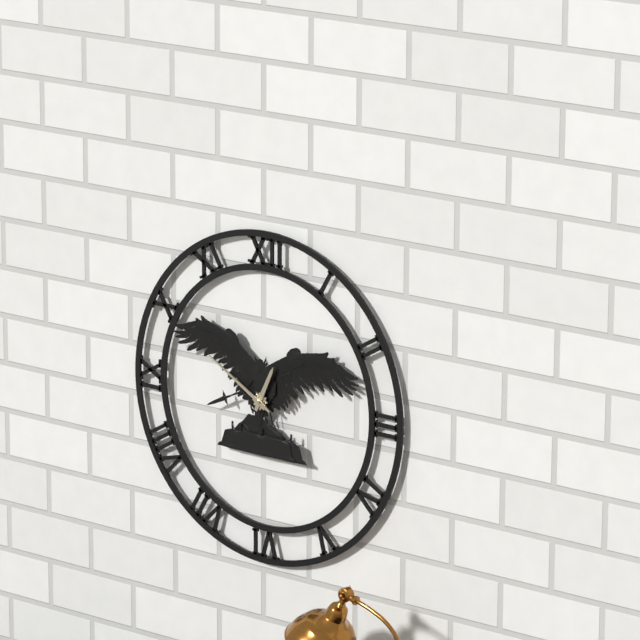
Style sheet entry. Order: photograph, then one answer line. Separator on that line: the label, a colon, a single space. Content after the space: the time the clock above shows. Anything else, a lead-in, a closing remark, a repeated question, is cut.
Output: 12:50
